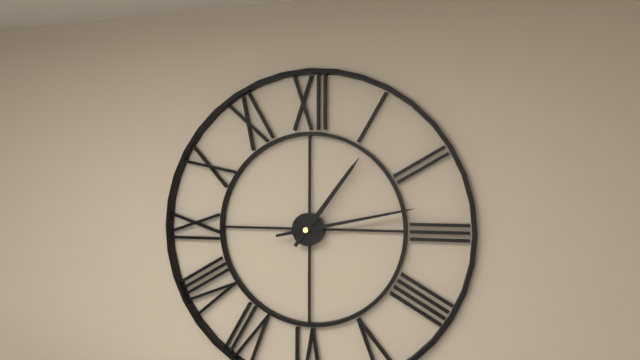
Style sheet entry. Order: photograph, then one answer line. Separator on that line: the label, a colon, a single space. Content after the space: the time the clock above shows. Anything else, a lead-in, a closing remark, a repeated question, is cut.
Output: 1:13
